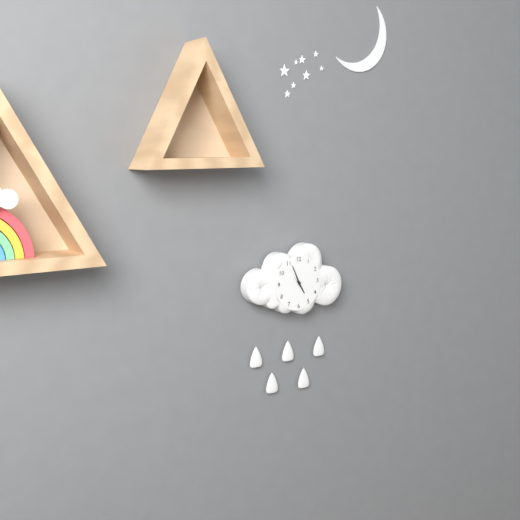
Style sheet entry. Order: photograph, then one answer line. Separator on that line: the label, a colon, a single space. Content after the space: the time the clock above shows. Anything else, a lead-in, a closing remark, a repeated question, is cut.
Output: 4:56
